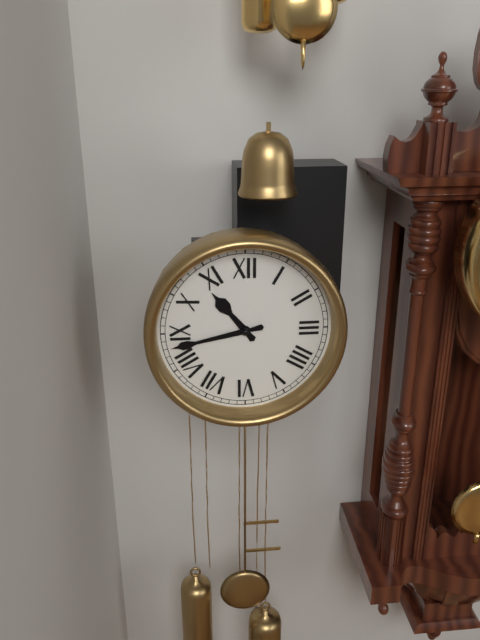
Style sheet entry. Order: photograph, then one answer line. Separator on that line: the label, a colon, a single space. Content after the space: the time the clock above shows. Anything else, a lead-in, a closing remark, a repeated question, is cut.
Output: 10:43
